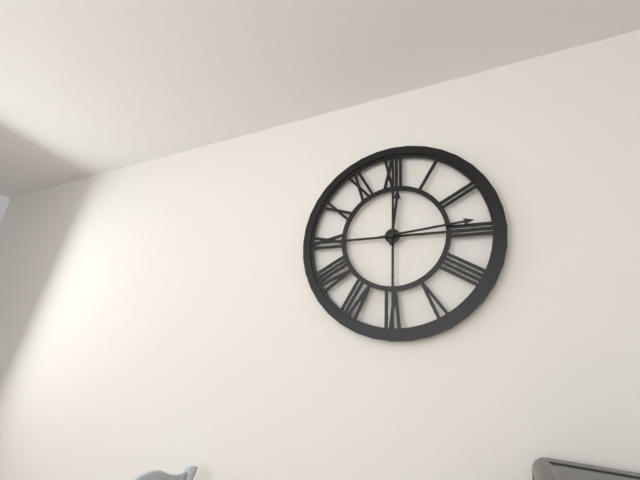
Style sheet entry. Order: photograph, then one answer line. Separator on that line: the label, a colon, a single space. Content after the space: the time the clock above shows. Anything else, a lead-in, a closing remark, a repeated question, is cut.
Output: 12:14
